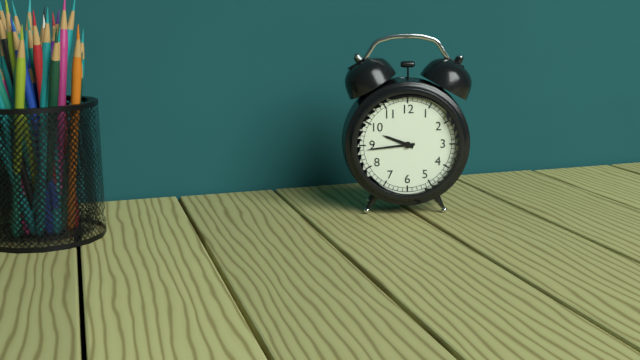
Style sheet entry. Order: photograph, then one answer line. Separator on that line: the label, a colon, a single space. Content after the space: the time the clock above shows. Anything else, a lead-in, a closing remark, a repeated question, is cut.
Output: 9:44
